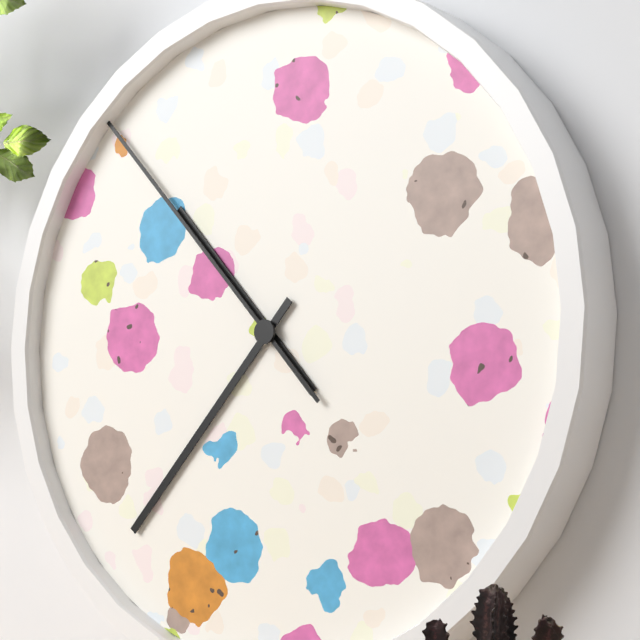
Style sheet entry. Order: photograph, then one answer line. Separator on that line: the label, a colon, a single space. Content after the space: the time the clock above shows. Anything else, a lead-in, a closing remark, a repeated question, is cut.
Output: 10:37:53
